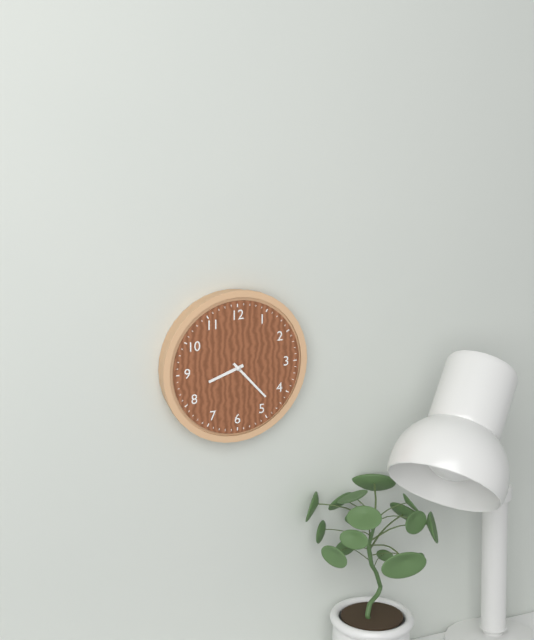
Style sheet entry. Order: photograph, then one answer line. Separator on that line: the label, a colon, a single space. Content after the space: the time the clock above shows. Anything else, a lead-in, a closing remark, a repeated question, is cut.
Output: 8:23
